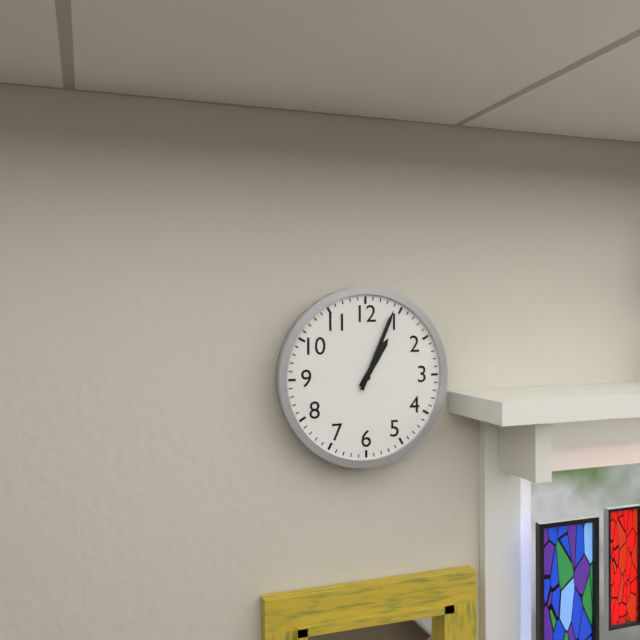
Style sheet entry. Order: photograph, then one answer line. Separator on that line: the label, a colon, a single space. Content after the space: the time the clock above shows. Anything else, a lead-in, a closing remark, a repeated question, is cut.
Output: 1:04
